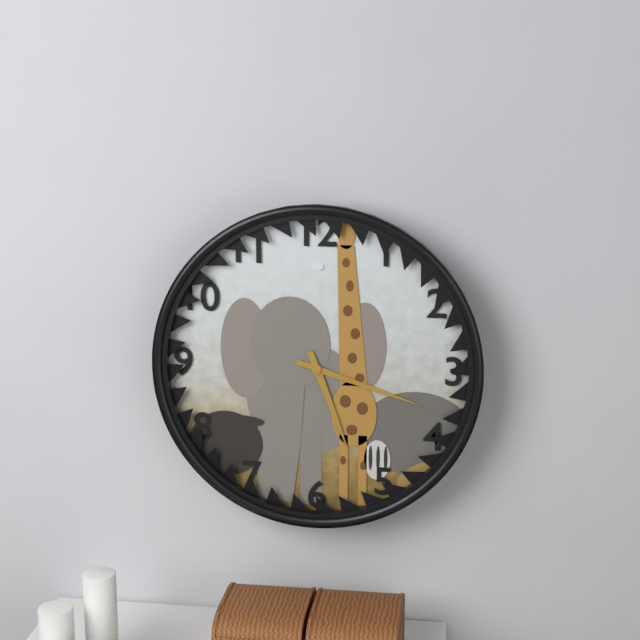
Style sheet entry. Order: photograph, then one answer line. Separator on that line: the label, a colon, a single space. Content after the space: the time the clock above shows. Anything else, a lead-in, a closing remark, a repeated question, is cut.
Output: 5:18
